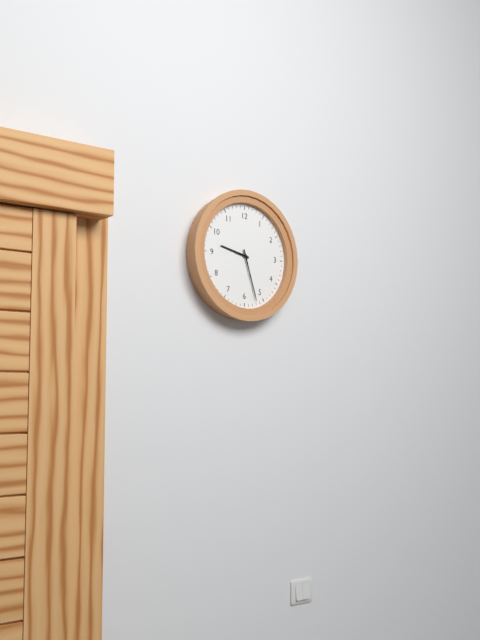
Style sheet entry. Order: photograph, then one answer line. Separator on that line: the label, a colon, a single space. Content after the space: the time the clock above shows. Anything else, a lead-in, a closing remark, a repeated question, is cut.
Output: 9:27
